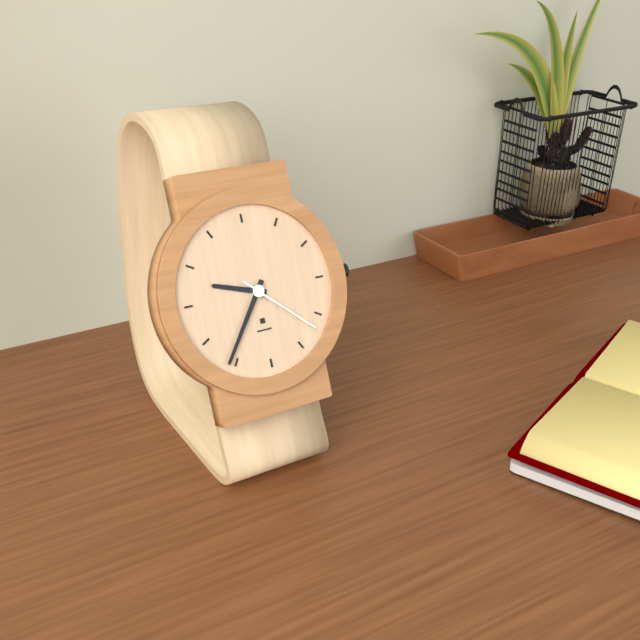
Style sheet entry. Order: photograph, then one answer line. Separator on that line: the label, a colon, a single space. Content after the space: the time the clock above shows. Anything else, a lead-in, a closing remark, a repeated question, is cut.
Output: 9:36:22
